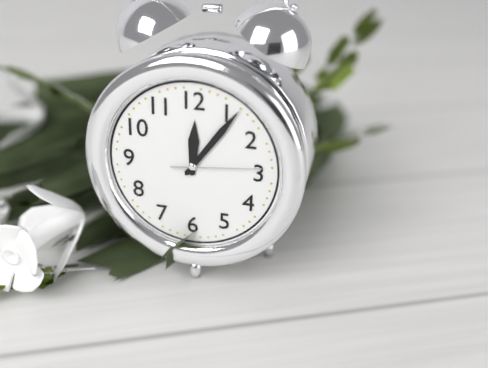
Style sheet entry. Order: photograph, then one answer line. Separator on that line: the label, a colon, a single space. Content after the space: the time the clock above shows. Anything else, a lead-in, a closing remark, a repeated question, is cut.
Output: 12:06:14
